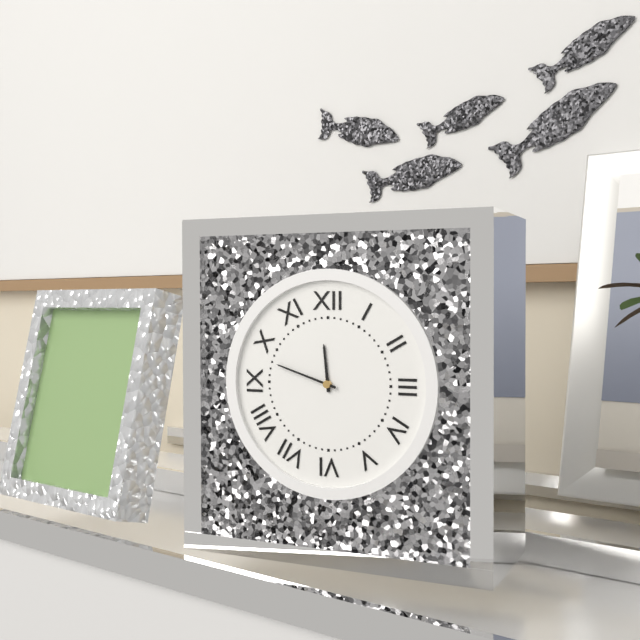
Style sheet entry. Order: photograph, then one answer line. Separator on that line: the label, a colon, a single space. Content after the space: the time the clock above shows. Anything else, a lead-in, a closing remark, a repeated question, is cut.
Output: 11:48
